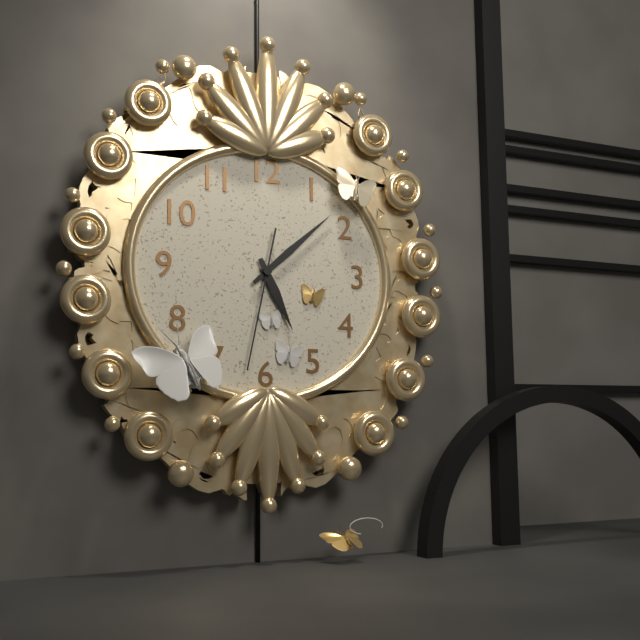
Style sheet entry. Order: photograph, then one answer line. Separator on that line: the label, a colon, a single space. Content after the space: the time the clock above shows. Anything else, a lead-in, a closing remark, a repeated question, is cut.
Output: 5:08:32
